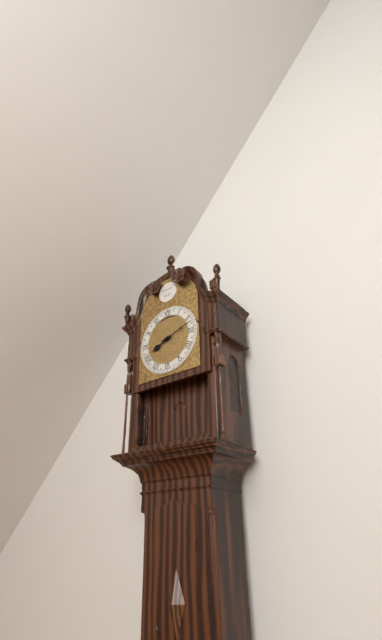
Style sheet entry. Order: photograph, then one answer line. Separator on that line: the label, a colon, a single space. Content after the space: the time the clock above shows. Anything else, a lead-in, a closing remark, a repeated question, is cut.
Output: 8:12
